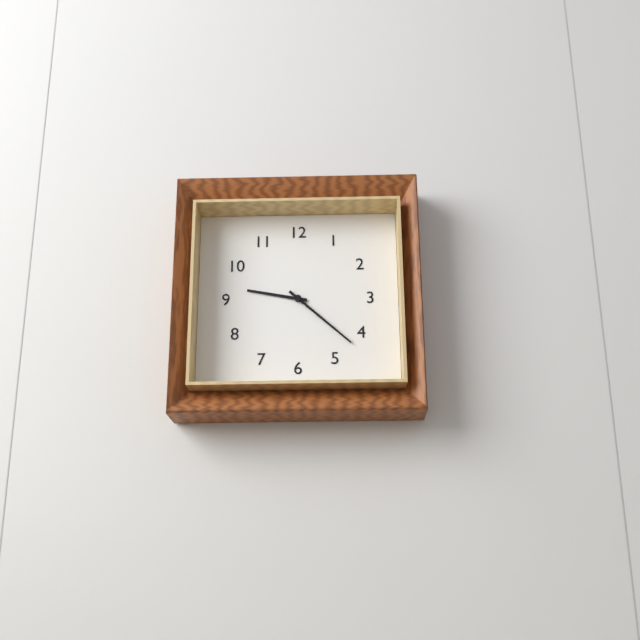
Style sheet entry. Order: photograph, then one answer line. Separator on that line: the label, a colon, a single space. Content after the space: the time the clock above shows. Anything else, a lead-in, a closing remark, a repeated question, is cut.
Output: 9:22
